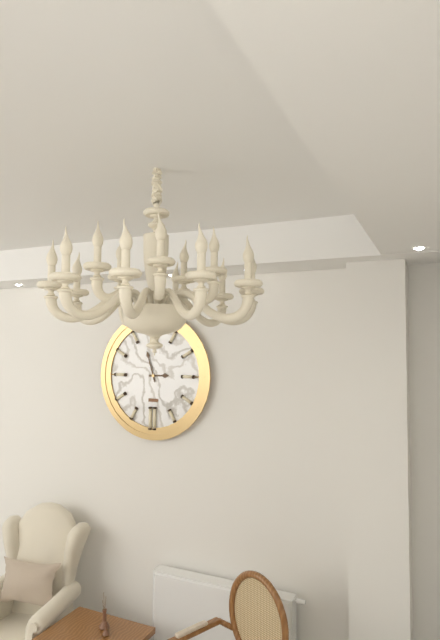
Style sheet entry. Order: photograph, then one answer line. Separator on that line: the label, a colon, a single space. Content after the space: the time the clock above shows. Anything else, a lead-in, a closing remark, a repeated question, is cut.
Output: 2:57
